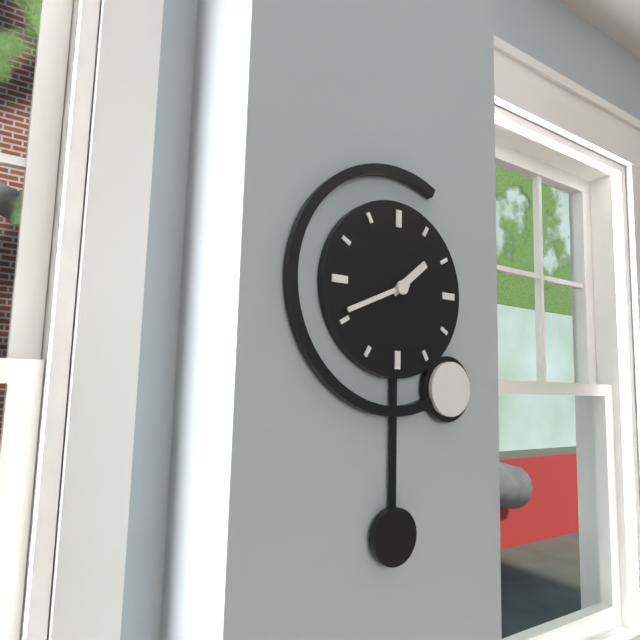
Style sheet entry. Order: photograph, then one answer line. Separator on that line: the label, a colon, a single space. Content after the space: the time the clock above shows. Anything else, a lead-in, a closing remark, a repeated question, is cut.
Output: 1:41
